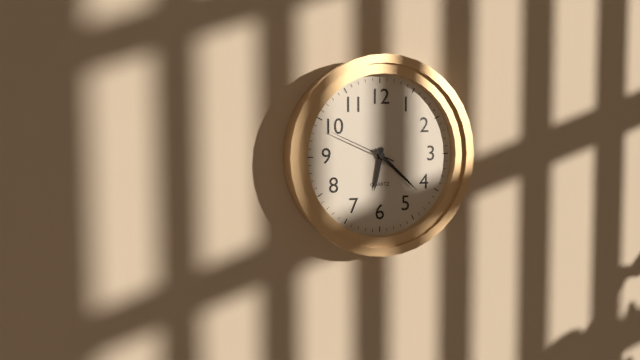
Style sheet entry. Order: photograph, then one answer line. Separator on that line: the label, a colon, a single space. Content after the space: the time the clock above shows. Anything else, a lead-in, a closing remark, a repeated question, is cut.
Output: 6:22:49
